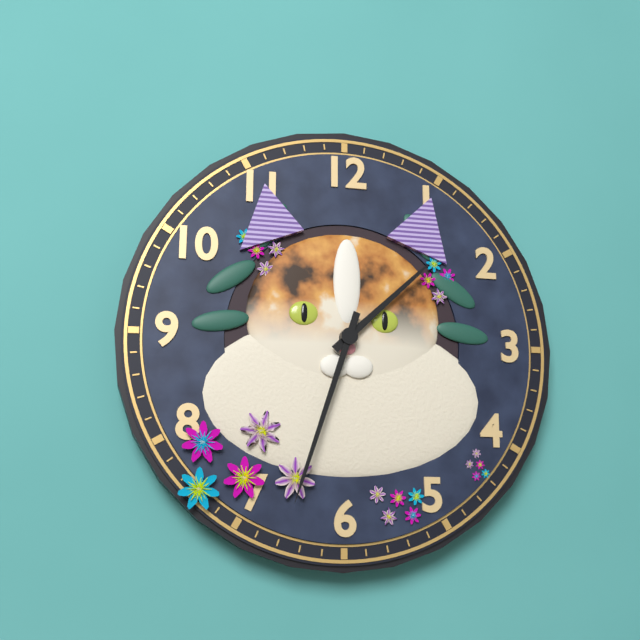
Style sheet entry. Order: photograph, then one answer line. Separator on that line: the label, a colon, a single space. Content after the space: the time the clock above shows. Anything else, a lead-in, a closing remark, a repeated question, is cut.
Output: 1:33
